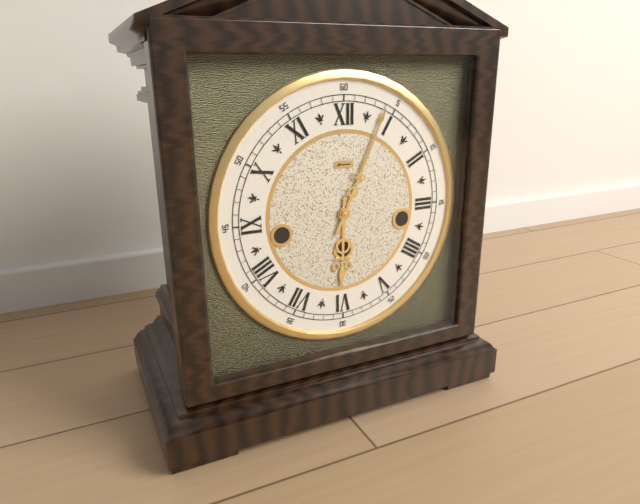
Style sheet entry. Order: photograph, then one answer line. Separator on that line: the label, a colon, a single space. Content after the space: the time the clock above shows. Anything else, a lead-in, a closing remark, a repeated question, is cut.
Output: 6:04
